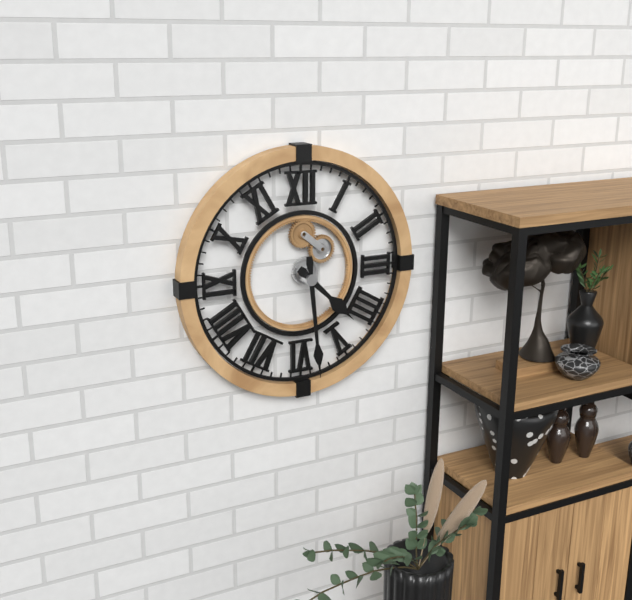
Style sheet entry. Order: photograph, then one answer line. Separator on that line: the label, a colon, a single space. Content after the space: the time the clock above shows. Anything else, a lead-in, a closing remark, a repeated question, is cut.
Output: 4:29
